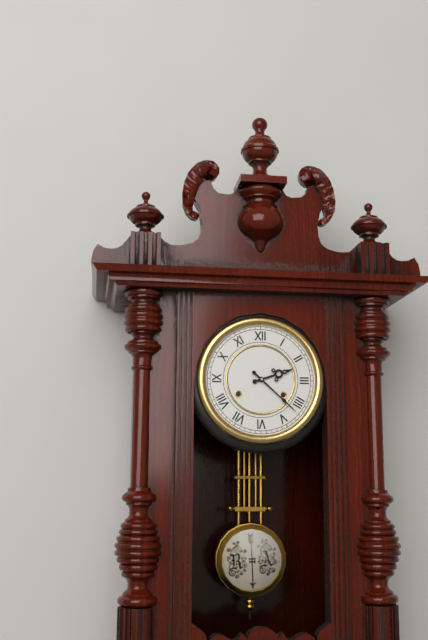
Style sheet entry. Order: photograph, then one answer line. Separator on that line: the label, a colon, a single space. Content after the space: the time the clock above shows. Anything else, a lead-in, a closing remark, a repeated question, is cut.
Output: 2:22
